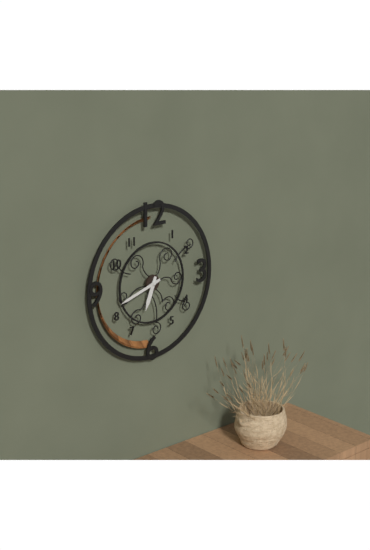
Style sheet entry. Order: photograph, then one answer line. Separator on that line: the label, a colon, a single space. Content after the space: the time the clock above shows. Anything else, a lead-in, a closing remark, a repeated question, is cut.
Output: 6:42
